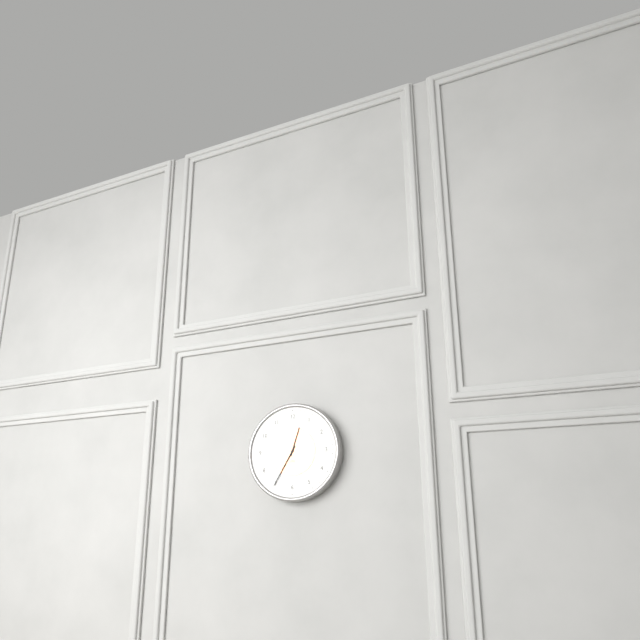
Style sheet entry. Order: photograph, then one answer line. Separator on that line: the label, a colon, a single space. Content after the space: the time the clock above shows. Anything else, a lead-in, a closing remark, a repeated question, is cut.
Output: 12:35
